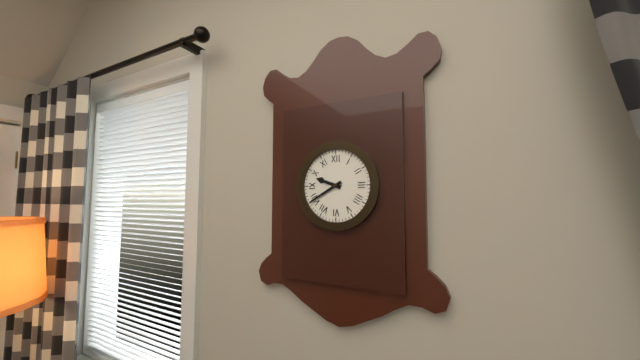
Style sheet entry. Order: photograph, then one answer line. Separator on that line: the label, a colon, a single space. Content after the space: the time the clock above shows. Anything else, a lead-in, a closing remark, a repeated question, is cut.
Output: 9:40
